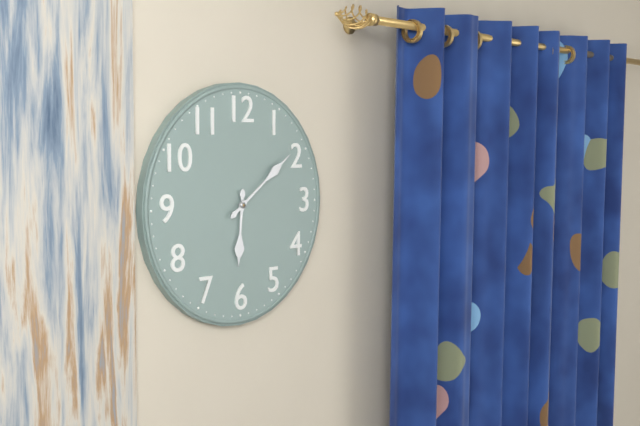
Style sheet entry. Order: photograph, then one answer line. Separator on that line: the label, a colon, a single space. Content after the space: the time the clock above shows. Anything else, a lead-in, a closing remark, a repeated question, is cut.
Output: 6:09
